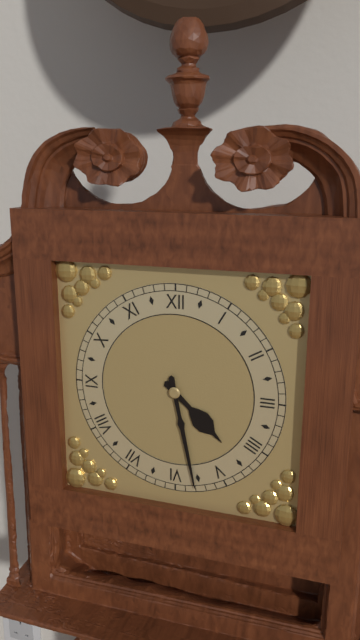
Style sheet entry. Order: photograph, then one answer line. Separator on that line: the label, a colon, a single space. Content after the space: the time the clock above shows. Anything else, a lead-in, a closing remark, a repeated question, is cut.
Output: 4:28
